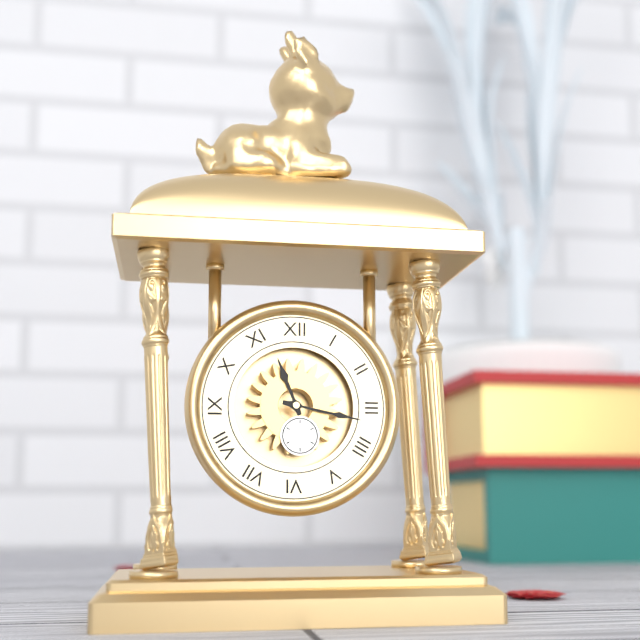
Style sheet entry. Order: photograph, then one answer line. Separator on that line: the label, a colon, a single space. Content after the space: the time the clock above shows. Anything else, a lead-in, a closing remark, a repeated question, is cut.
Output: 11:17
